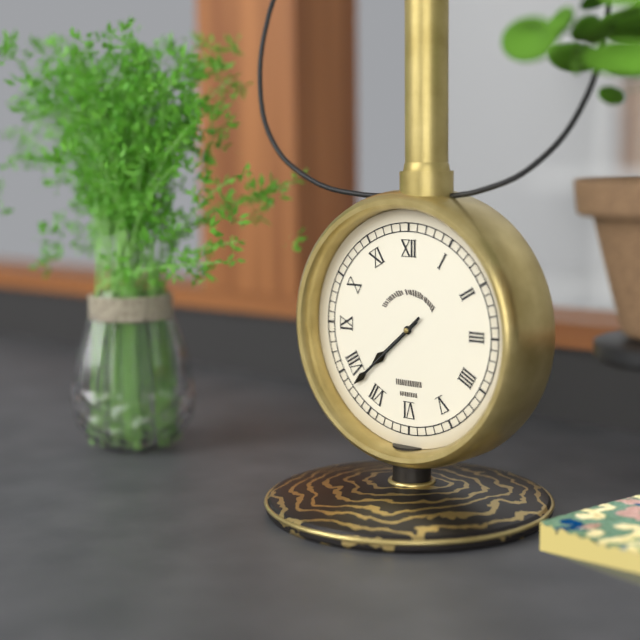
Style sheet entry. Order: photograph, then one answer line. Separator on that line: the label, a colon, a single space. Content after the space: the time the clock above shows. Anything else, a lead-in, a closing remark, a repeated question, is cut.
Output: 7:38
